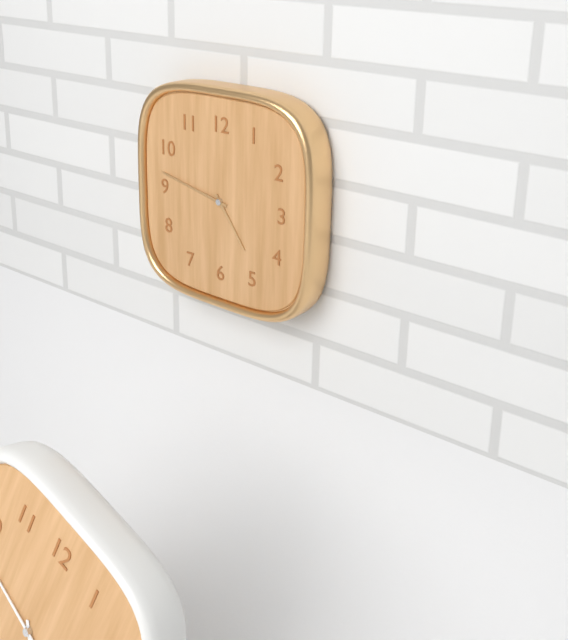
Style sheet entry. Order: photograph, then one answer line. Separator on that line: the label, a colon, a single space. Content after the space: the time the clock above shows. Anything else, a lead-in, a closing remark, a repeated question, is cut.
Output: 4:47
